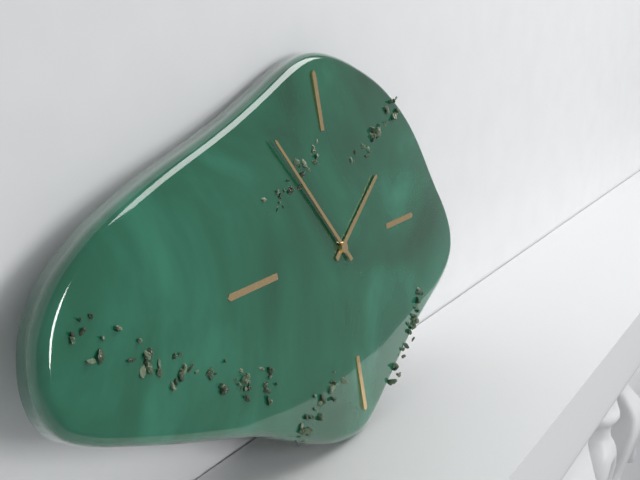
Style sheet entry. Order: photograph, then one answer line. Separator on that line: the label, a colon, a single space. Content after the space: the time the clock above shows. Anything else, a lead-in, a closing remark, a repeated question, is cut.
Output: 1:54
